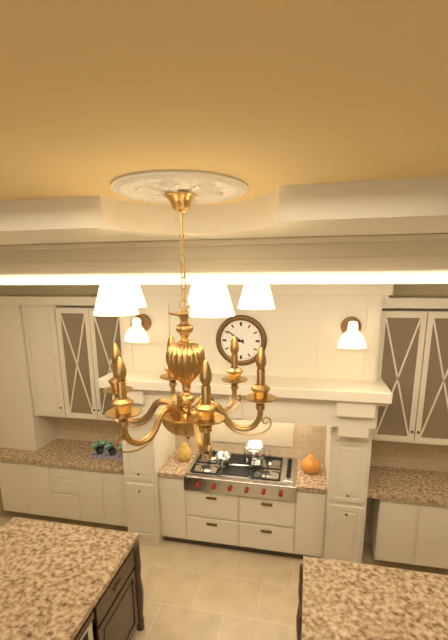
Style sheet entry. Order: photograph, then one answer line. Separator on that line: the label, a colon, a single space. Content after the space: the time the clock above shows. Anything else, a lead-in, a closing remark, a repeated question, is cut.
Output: 8:51
